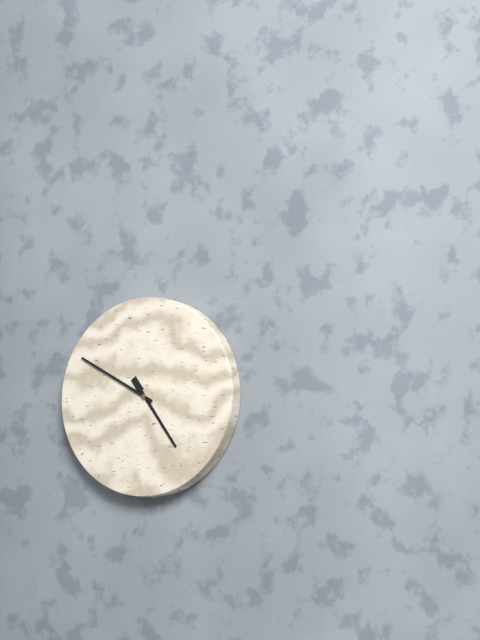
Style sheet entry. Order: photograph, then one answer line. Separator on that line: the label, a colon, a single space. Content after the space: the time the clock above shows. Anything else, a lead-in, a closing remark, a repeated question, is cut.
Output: 4:50
